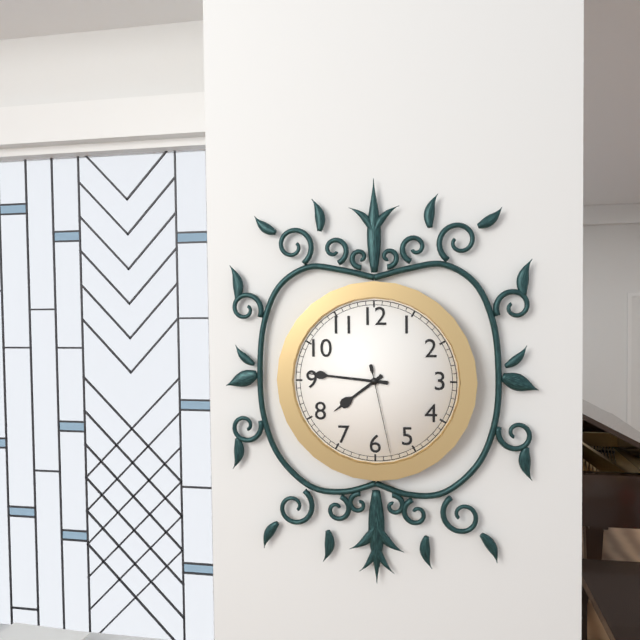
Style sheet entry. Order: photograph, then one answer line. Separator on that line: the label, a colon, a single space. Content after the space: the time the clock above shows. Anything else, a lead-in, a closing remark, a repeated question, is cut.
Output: 7:46:28
